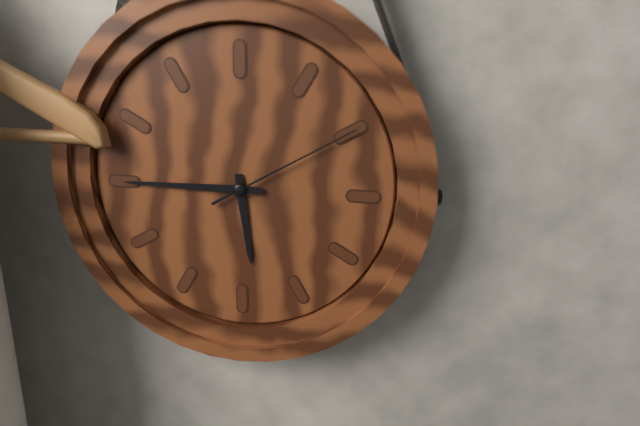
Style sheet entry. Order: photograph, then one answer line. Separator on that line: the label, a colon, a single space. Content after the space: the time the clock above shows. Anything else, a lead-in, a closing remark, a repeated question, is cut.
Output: 5:45:10
